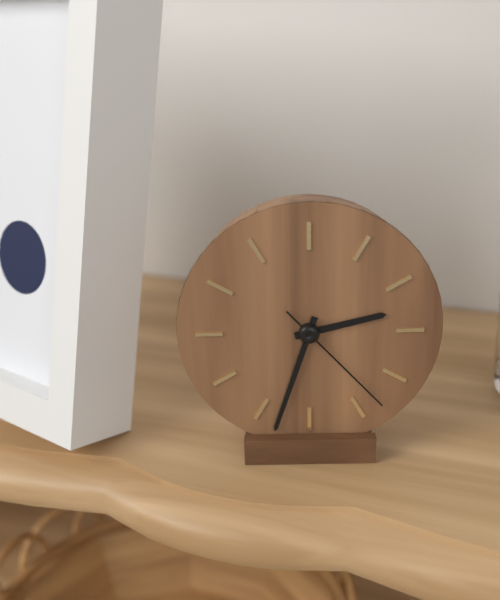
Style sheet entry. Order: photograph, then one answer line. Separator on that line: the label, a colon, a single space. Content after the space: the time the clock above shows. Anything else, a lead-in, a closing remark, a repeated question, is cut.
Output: 2:33:23
